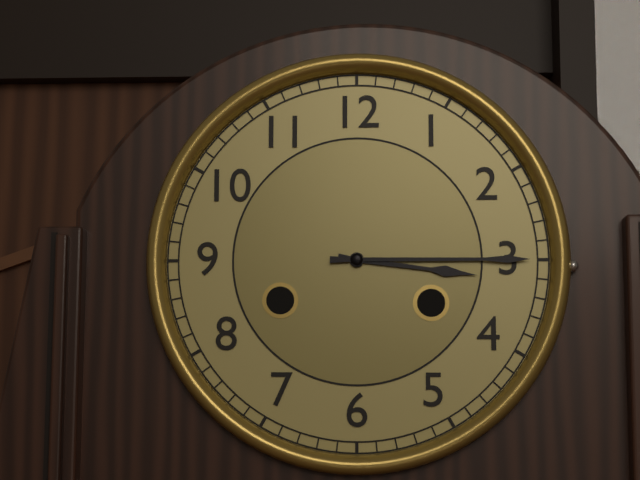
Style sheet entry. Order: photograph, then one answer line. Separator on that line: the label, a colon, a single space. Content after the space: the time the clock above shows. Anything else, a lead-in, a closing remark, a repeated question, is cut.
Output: 3:15
